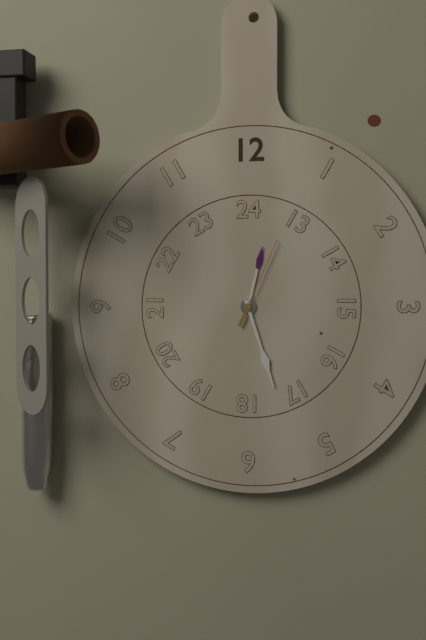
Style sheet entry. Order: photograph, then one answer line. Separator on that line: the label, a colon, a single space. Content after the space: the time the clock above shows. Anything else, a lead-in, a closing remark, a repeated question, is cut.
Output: 12:27:04
